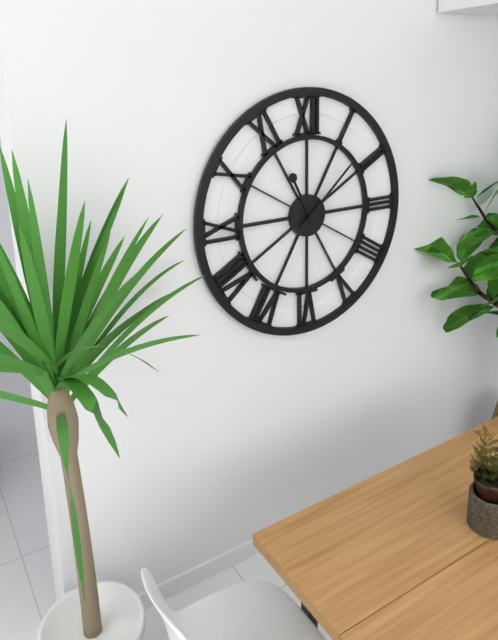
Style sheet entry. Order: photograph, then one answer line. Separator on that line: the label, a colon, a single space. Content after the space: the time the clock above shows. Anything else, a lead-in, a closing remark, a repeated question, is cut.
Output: 11:08
